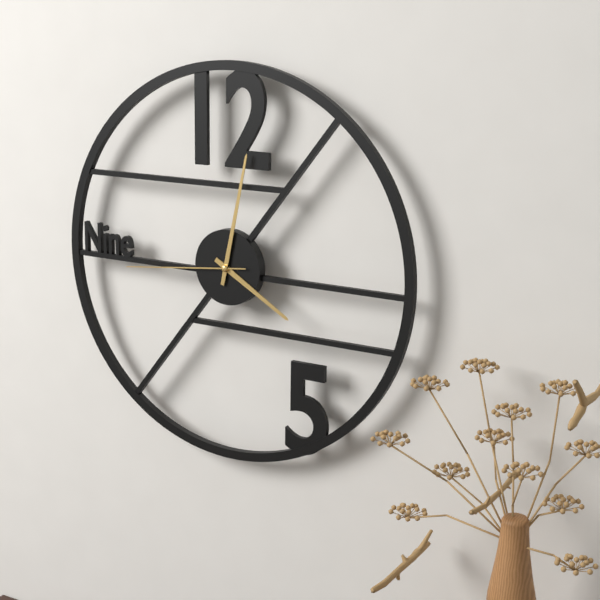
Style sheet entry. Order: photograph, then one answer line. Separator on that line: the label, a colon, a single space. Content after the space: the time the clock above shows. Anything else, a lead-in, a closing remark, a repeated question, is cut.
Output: 4:02:44
